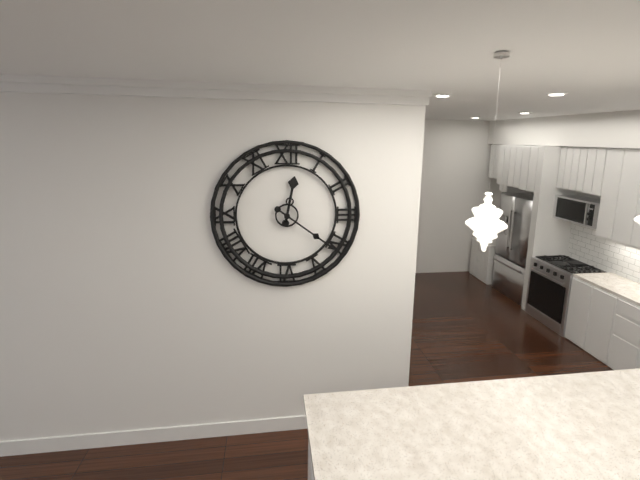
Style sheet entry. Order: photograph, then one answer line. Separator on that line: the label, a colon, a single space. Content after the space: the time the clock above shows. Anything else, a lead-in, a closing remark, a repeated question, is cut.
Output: 12:21
